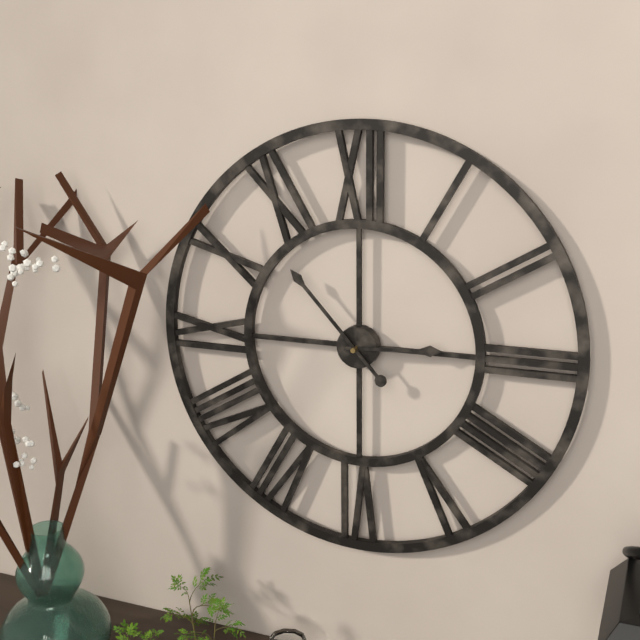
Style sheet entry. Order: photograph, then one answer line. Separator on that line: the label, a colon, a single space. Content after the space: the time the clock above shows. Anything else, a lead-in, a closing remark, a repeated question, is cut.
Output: 2:53
